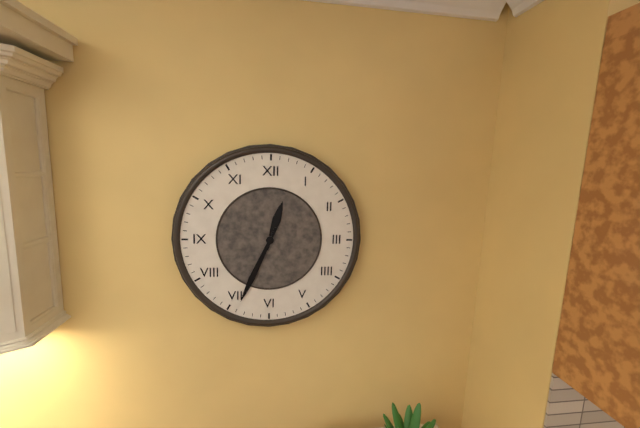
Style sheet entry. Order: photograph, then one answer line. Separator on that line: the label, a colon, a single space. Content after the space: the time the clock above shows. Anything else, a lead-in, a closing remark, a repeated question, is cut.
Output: 12:34
